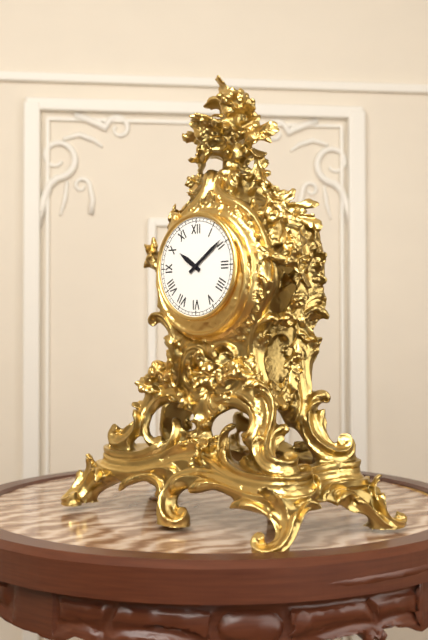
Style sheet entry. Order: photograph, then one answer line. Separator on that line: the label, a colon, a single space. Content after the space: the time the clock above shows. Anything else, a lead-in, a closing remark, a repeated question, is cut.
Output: 10:09
